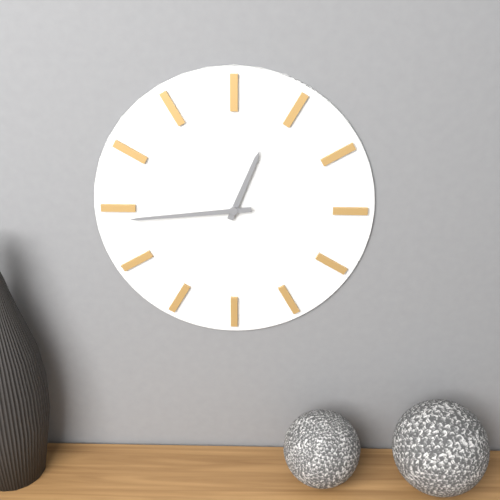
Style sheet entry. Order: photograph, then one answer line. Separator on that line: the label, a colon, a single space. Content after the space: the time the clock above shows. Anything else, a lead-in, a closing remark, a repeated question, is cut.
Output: 12:44
